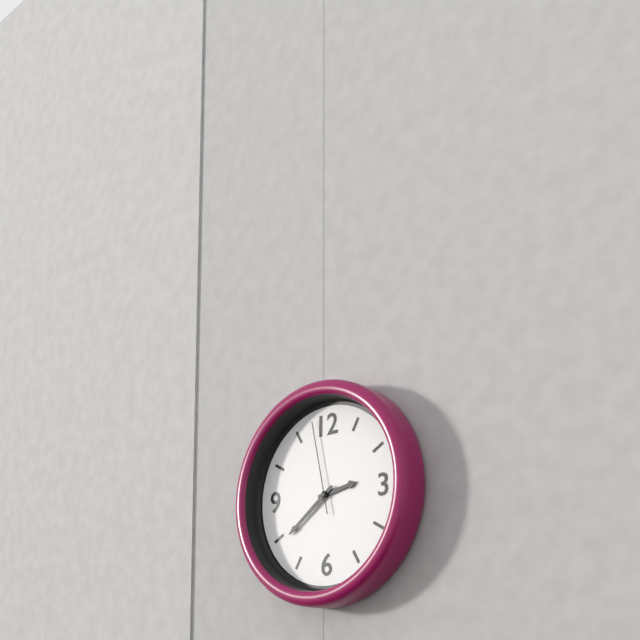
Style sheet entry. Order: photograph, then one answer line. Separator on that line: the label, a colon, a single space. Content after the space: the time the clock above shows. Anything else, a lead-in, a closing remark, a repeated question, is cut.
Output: 2:39:58
